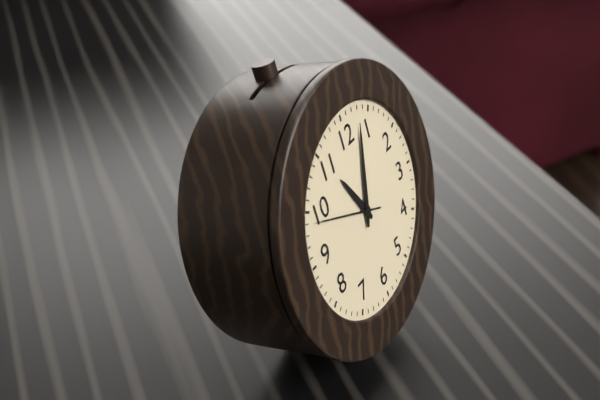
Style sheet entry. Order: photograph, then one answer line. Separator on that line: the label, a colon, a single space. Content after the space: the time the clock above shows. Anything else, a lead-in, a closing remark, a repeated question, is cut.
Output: 11:03:49
